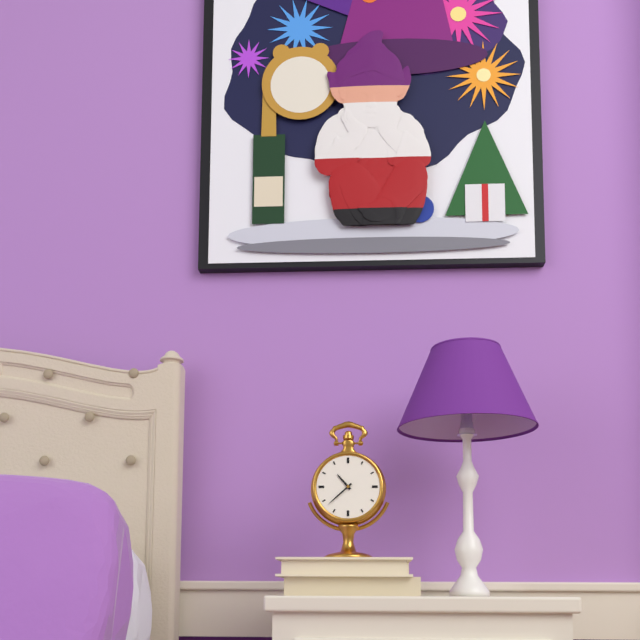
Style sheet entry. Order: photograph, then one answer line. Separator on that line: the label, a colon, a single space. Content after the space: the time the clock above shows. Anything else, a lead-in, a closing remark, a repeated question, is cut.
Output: 10:38
